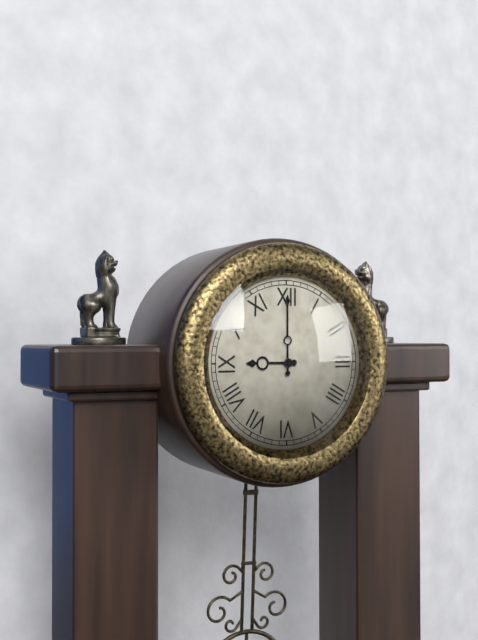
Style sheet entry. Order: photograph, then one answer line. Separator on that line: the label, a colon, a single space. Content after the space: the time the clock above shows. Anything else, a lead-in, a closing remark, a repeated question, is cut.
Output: 9:00
